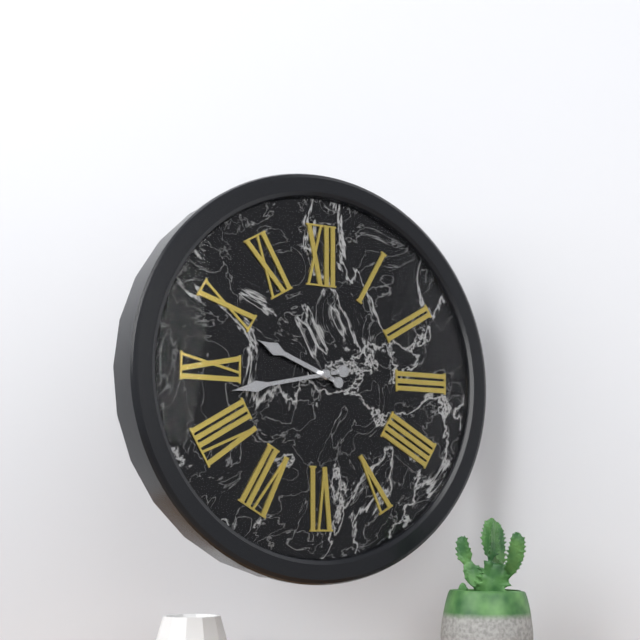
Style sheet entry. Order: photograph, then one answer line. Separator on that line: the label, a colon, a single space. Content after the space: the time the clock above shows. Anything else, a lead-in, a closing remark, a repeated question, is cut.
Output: 9:43
